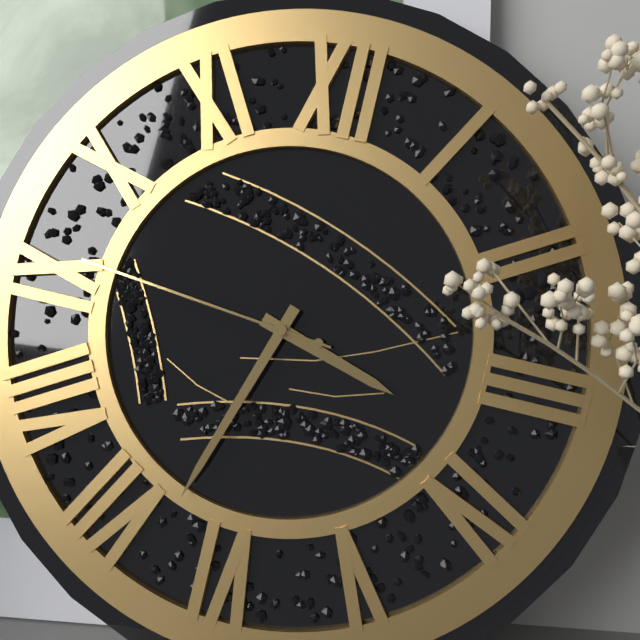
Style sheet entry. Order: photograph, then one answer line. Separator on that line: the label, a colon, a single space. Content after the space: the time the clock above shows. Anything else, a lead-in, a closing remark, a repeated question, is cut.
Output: 3:33:46
